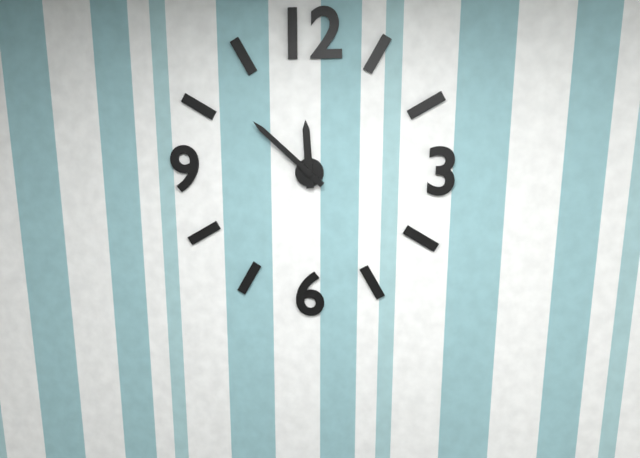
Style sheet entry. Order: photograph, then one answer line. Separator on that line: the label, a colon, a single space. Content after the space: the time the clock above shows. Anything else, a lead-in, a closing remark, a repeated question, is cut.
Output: 11:52
